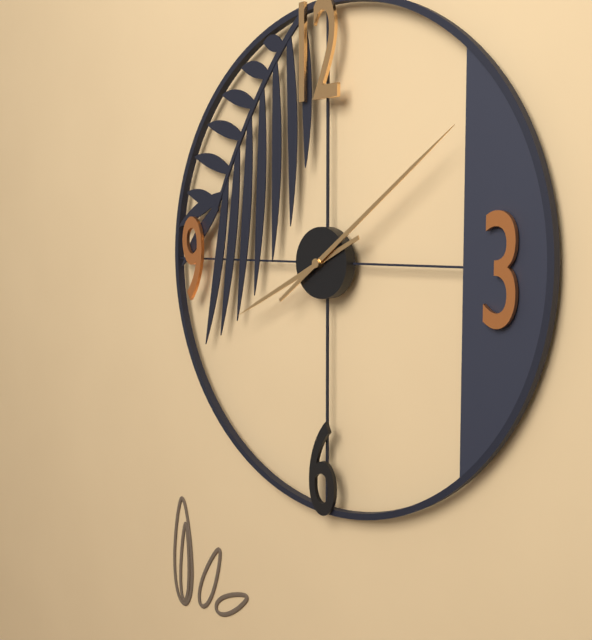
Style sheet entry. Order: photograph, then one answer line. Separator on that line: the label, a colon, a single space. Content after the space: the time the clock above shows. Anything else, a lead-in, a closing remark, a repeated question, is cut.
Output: 8:09
